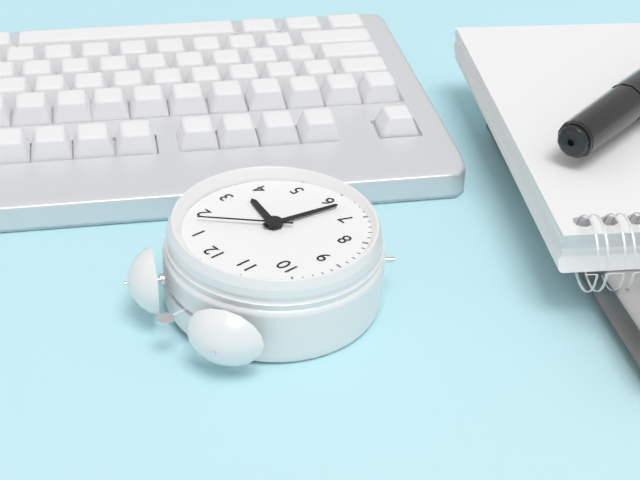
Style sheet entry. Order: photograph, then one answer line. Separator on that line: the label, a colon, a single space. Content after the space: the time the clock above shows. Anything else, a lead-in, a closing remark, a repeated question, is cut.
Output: 3:32:08
